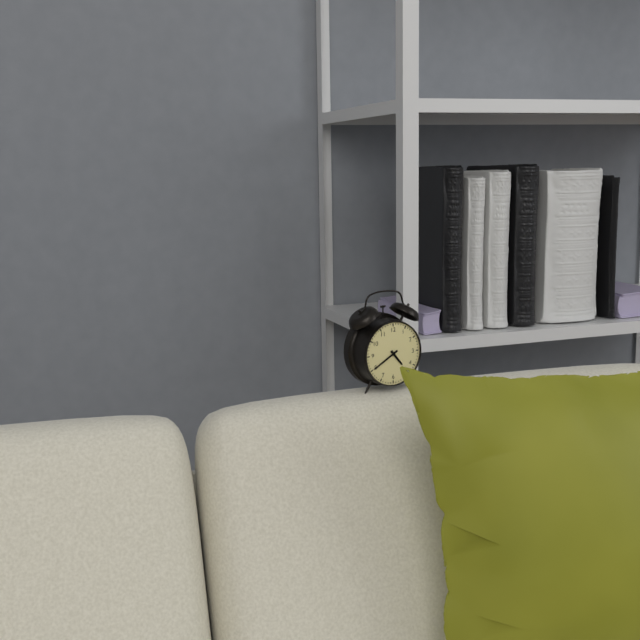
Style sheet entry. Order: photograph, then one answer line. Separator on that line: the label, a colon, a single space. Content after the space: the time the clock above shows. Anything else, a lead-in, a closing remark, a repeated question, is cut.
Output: 4:40
